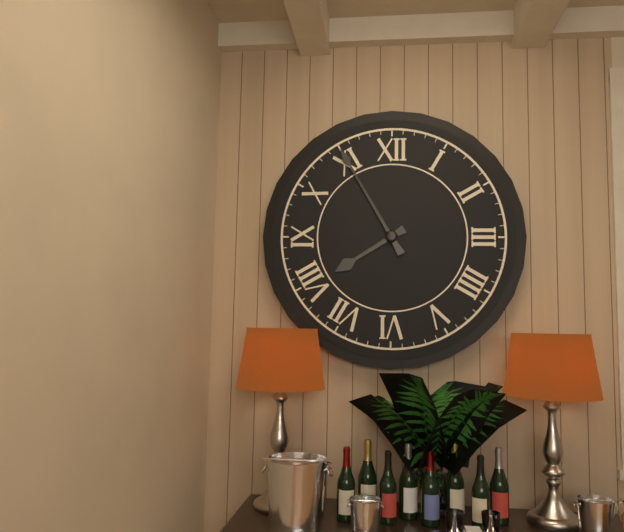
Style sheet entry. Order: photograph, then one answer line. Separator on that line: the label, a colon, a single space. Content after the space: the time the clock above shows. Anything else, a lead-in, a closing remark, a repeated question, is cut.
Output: 7:55
